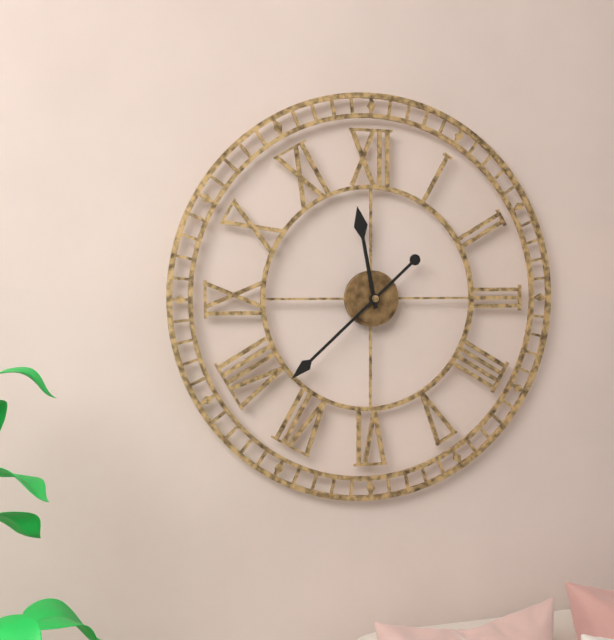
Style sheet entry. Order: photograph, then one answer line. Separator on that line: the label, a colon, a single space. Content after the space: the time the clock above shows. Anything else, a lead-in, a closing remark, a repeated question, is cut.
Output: 11:38
